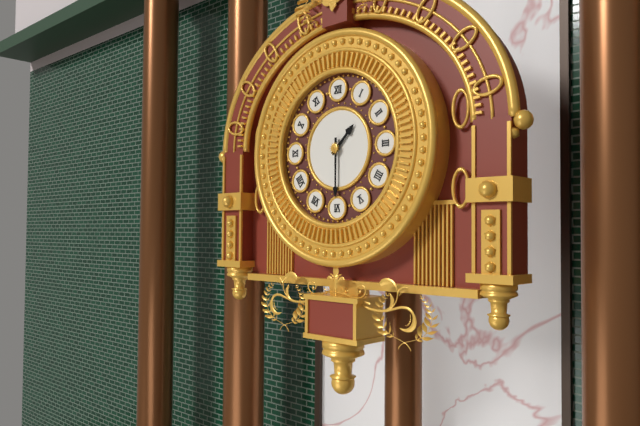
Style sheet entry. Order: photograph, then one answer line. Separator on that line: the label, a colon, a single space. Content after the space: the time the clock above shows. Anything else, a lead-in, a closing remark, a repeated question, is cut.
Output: 1:30
